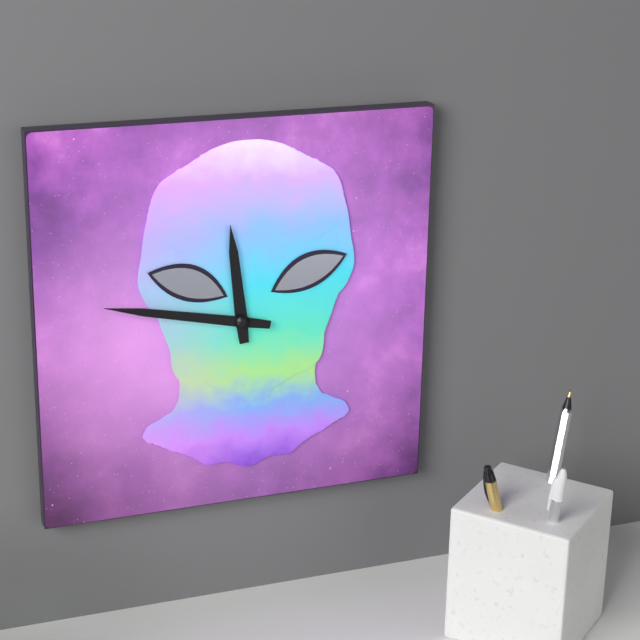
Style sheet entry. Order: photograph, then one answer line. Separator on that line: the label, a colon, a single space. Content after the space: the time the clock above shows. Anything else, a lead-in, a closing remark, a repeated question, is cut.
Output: 11:47
